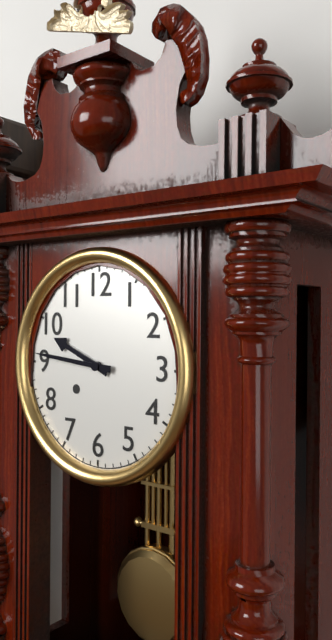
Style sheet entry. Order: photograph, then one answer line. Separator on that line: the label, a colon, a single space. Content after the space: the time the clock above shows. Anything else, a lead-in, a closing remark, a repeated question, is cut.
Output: 9:46
